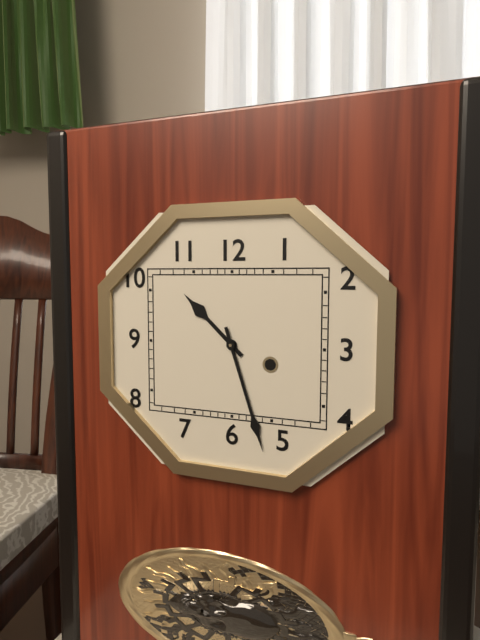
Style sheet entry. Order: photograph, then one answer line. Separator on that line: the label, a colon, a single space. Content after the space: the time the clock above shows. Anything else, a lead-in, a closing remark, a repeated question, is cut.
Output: 10:27
